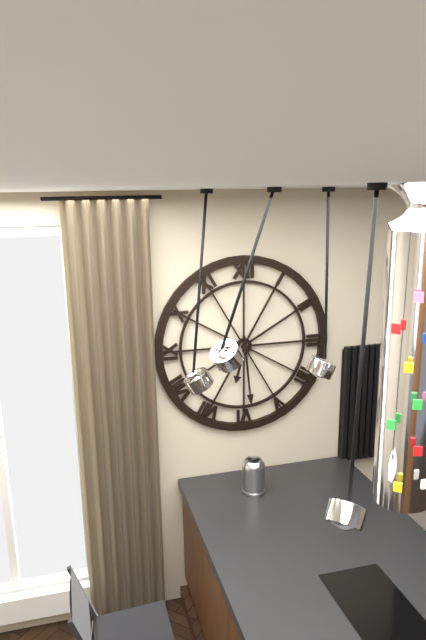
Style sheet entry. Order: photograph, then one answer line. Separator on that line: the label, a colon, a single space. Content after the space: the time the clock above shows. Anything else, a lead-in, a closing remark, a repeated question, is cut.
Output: 6:29
